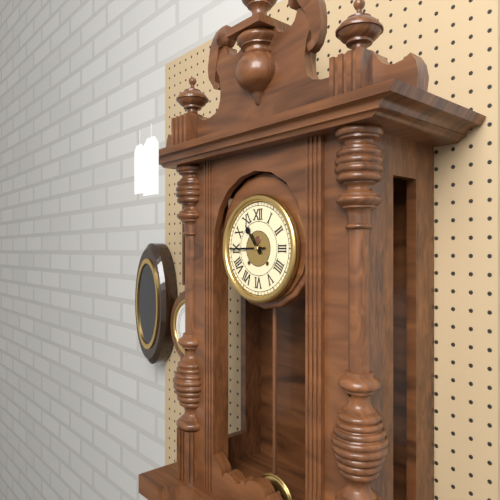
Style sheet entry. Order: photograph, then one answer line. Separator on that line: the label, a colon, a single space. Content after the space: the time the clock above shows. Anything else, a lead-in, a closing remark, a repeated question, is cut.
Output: 10:45
